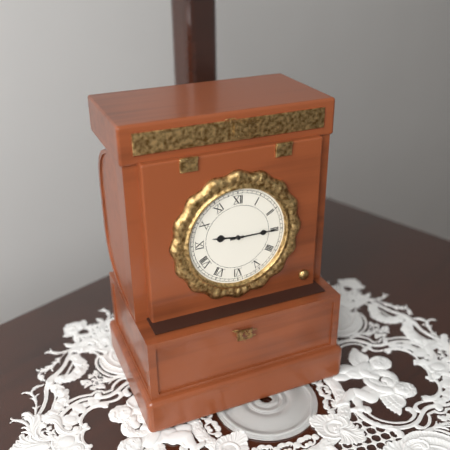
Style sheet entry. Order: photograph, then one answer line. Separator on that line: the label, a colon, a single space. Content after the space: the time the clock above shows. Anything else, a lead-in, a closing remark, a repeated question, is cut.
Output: 9:15
